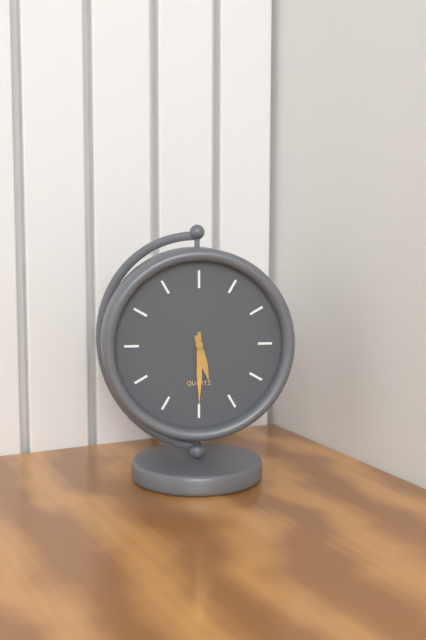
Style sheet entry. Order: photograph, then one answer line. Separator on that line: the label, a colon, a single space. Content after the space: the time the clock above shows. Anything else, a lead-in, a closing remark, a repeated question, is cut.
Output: 5:30
